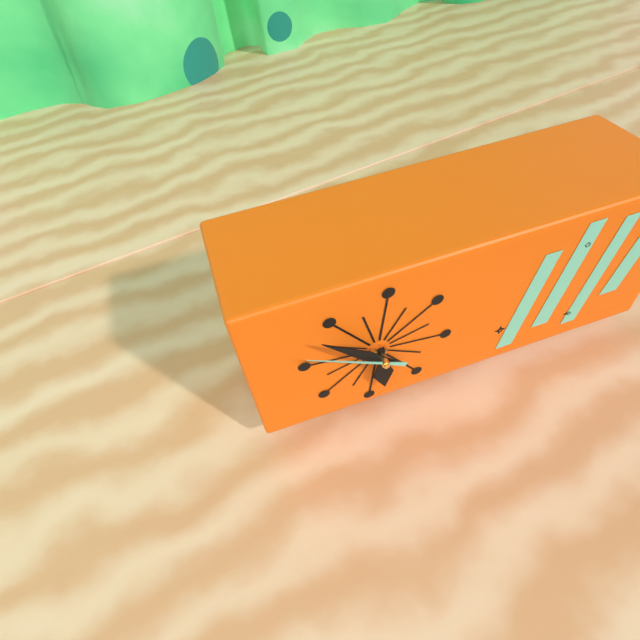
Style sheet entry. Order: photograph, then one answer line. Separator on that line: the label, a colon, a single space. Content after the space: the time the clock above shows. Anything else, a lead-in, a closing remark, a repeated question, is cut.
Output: 5:52:50
